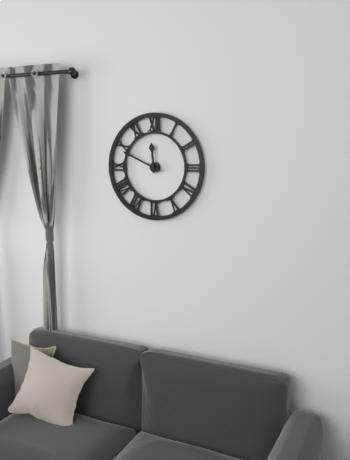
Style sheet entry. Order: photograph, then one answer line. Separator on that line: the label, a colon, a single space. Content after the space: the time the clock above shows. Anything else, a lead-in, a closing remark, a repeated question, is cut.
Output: 11:49
